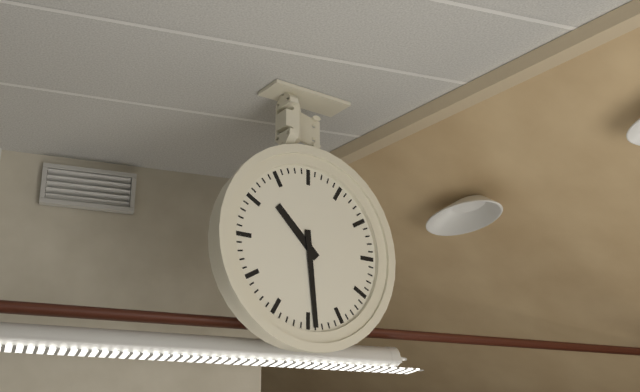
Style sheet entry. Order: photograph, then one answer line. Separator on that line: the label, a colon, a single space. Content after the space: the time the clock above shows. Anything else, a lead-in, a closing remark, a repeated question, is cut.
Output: 10:29
